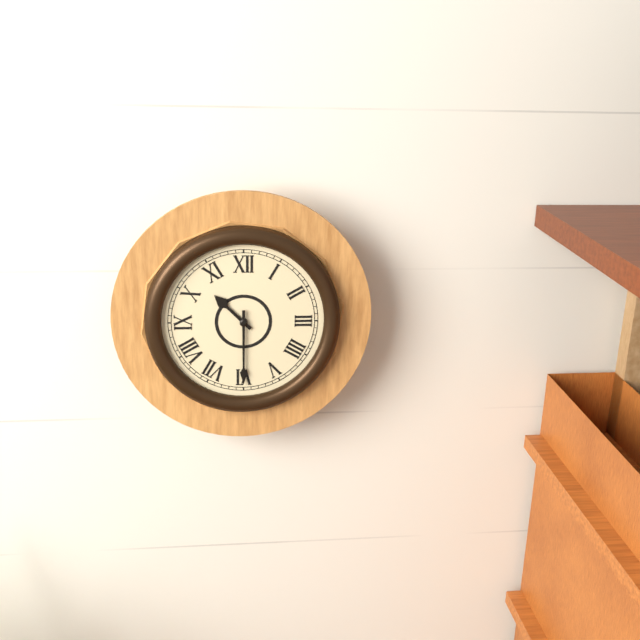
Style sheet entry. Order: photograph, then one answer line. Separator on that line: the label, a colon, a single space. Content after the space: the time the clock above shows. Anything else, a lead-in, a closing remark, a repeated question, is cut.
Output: 10:30
